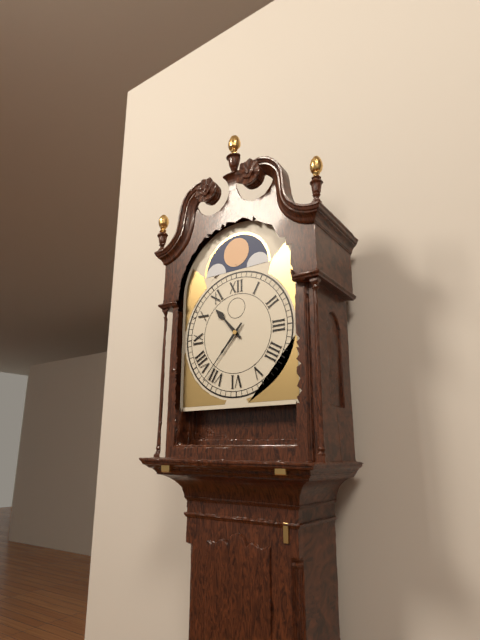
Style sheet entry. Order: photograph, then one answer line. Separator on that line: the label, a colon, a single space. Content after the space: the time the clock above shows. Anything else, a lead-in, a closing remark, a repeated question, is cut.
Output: 10:37
